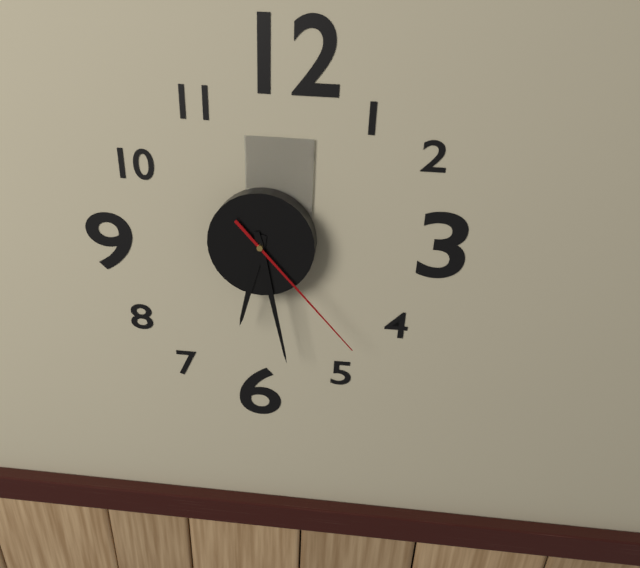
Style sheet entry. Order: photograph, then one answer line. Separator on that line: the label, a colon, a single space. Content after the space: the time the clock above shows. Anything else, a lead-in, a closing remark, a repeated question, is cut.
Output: 6:28:23
